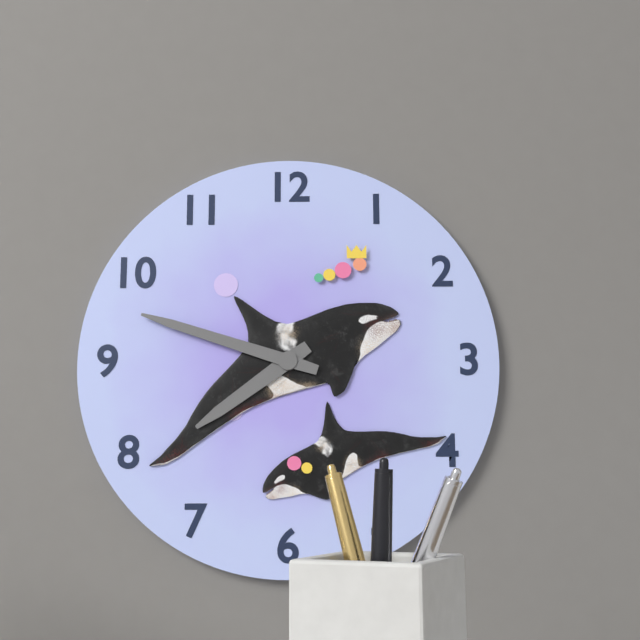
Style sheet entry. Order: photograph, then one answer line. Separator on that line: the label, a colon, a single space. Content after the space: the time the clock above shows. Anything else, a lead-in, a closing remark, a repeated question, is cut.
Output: 7:48
